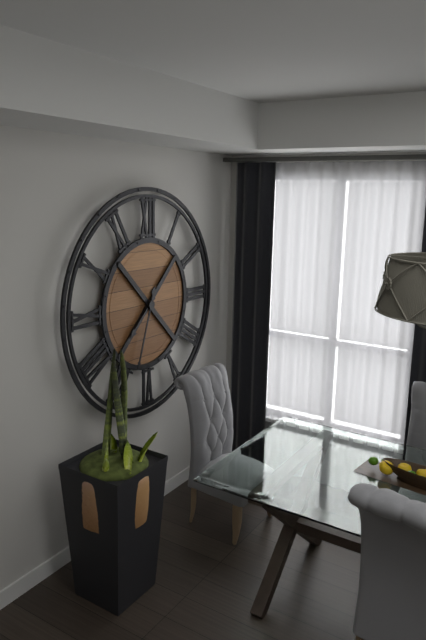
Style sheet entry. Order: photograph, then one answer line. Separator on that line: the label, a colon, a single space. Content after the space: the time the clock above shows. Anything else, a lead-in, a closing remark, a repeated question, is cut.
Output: 7:33
